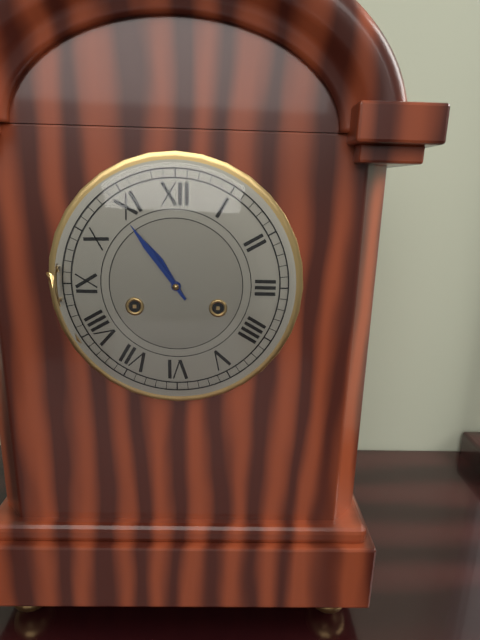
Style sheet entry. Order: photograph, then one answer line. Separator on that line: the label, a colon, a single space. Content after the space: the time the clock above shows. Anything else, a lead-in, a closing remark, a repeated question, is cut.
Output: 10:54
